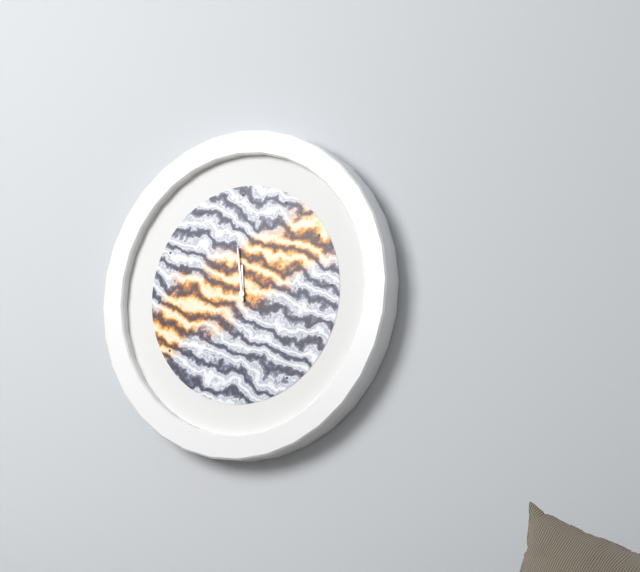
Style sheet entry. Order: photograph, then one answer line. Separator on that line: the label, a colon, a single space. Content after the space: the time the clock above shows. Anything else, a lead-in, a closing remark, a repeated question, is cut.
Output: 11:59
